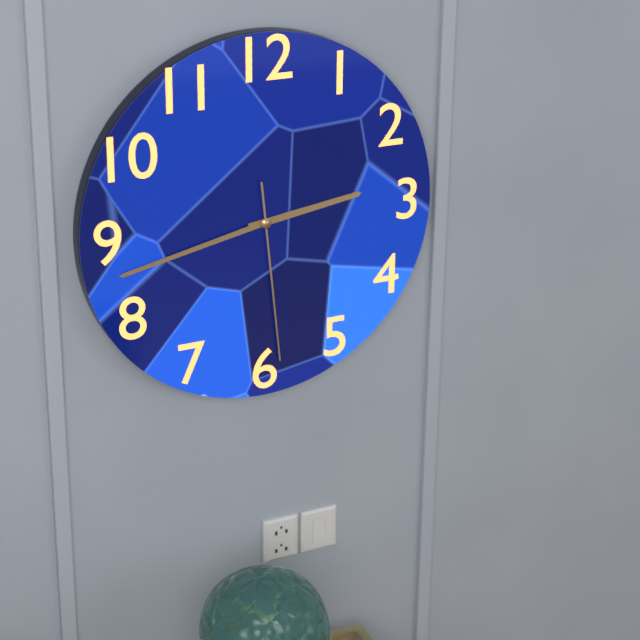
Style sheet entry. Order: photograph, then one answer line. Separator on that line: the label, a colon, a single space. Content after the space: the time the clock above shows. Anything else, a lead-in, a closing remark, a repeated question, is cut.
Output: 2:43:29
